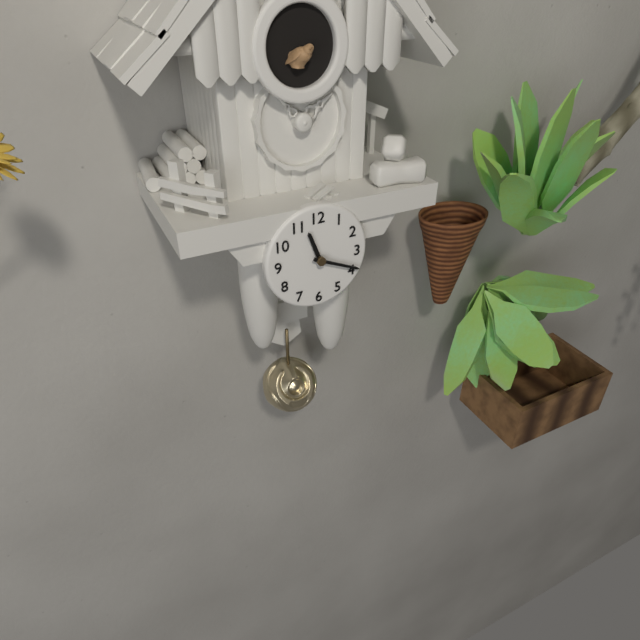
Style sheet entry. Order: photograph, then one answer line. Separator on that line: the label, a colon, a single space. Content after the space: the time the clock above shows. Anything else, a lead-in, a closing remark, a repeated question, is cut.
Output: 11:19
